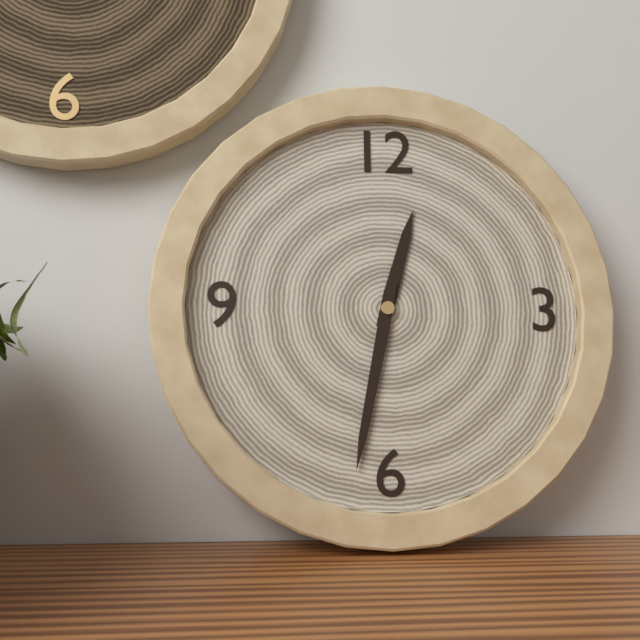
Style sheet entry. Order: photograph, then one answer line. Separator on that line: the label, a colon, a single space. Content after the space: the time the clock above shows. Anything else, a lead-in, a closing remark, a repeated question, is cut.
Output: 12:32
